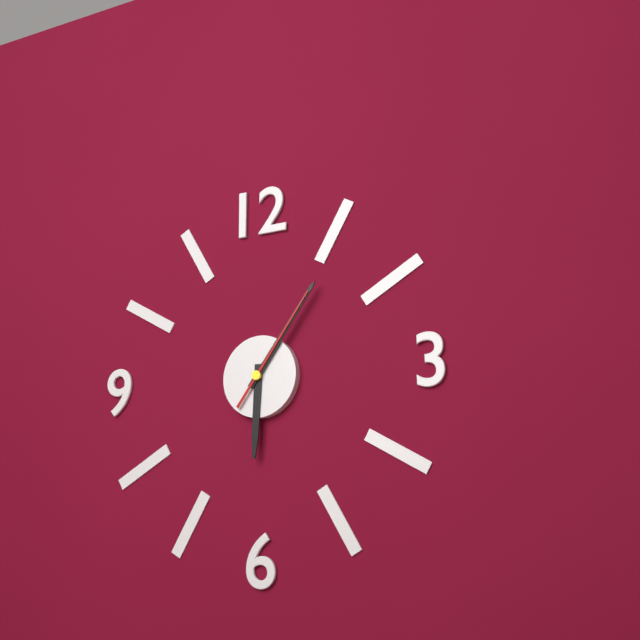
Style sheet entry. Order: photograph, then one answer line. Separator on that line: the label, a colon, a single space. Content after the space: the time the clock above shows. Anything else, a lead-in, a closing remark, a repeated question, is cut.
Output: 6:06:06
